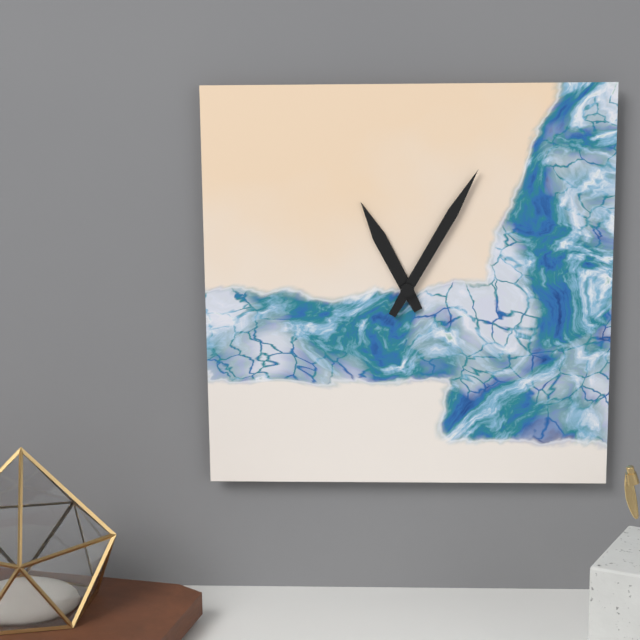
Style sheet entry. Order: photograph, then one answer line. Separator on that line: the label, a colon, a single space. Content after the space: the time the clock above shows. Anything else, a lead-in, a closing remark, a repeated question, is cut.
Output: 11:05
